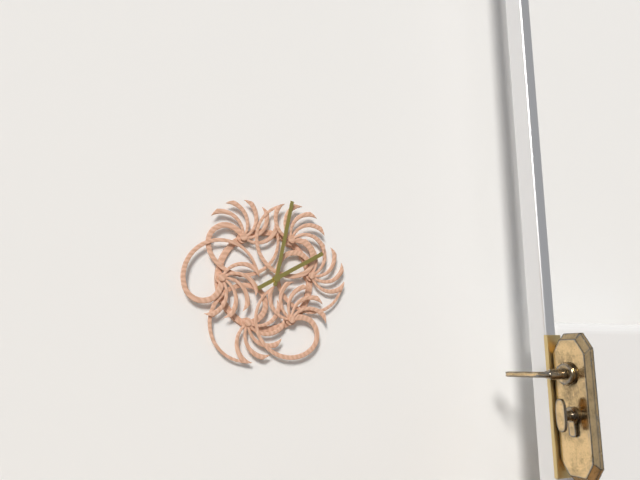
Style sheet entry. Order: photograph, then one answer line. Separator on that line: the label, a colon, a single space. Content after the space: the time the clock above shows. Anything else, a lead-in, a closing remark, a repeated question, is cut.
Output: 2:02
